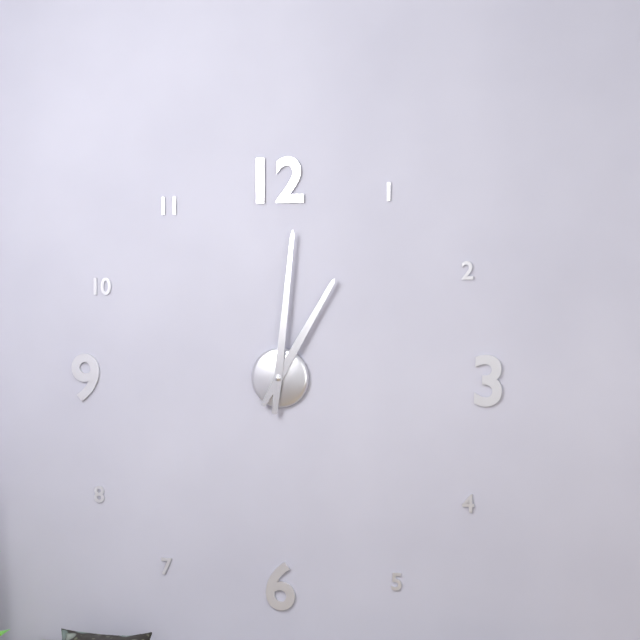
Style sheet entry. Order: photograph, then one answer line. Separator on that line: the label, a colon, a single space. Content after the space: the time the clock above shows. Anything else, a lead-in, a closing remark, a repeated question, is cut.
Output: 1:01
